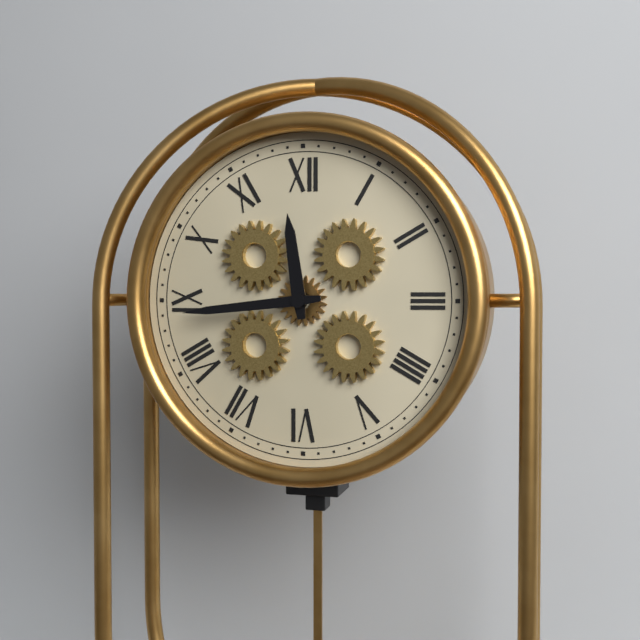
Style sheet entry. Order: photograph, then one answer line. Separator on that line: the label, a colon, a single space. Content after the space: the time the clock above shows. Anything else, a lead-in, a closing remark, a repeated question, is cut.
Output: 11:44
